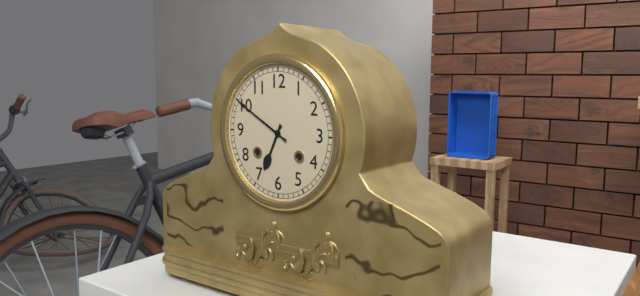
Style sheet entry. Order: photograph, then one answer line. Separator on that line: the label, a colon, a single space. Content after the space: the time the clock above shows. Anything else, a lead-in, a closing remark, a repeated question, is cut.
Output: 6:50
